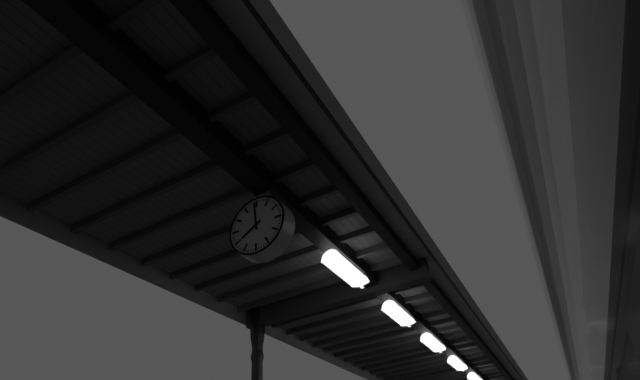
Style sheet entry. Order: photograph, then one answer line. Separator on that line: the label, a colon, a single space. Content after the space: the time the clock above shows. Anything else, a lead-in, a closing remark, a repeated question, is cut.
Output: 7:59
